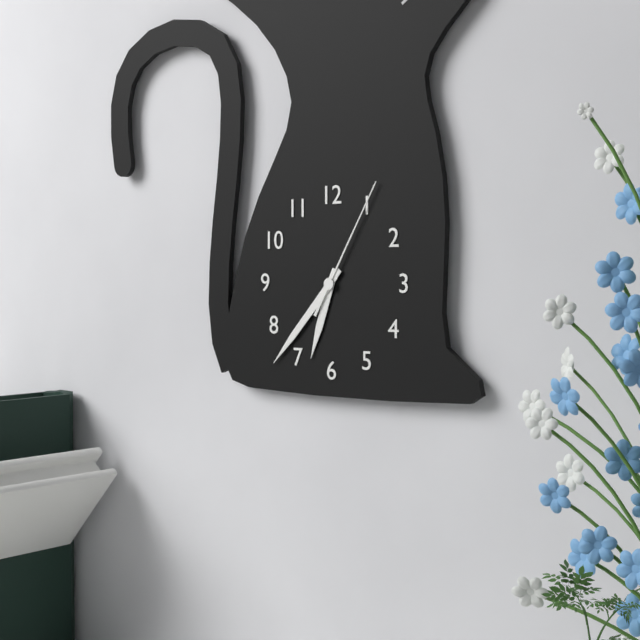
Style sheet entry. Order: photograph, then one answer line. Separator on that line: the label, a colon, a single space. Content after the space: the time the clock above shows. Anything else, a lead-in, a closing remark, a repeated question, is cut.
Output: 6:37:05
